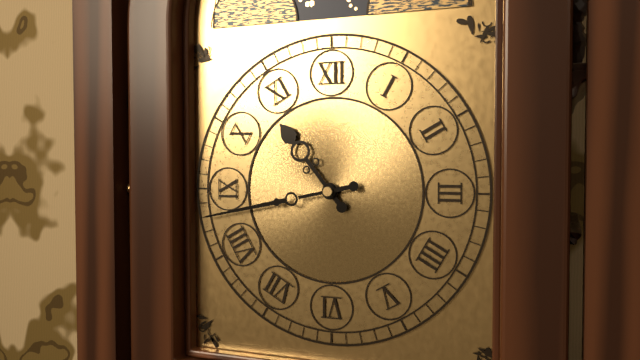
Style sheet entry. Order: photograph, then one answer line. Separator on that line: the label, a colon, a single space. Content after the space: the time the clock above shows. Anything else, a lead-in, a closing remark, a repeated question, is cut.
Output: 10:43
